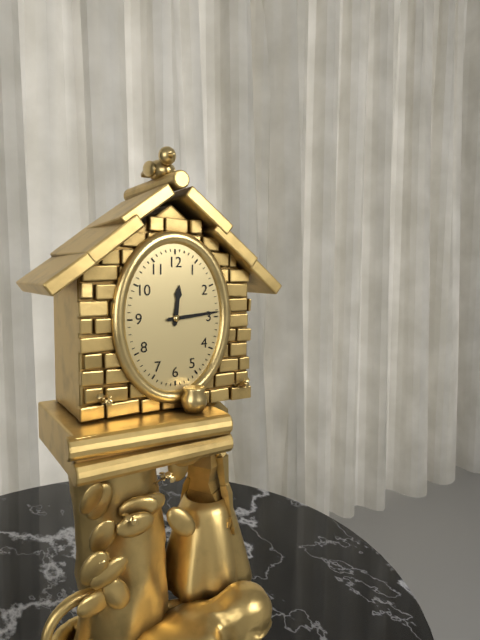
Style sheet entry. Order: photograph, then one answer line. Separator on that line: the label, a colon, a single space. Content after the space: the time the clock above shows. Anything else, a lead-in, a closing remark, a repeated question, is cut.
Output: 12:14
